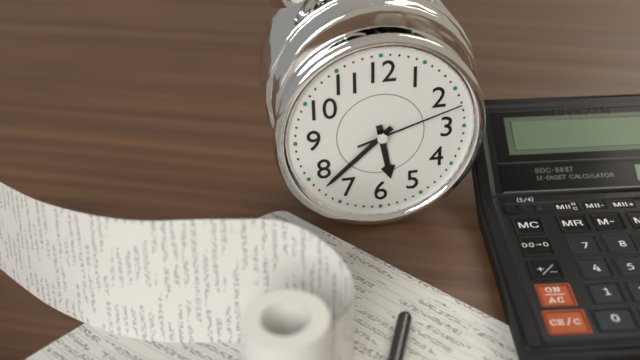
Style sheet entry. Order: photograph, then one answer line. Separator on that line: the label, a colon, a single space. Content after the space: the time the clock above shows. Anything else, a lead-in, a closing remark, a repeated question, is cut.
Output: 5:38:12
